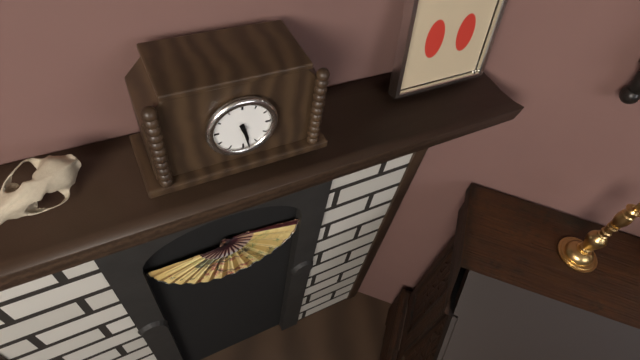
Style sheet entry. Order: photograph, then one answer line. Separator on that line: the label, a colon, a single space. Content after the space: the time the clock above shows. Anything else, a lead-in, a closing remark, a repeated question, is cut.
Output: 5:28
